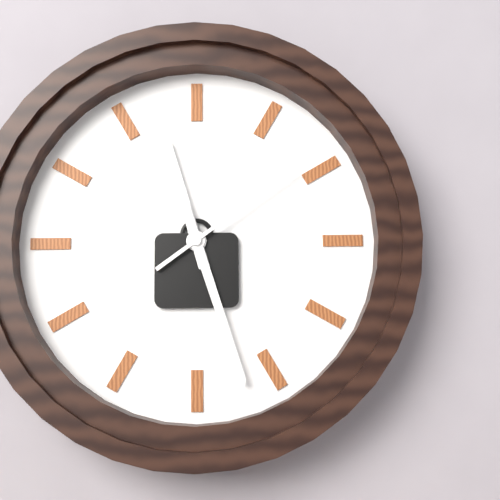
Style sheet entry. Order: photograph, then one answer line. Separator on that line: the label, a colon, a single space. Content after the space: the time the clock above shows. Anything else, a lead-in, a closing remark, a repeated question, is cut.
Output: 11:27:09
